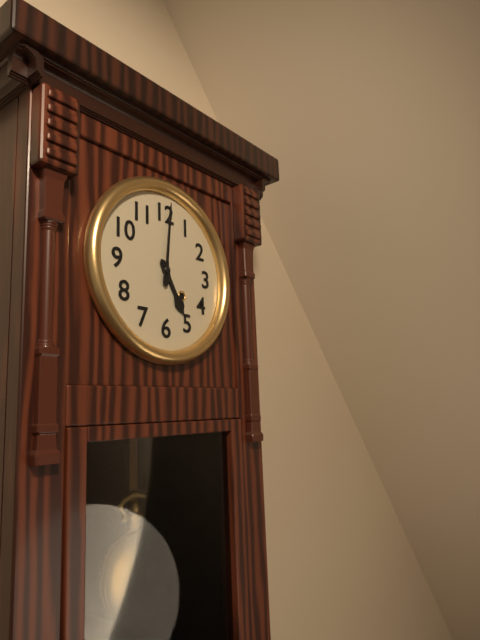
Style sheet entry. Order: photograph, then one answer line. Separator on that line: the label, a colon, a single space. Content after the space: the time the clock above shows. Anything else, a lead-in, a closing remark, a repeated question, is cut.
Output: 5:01
